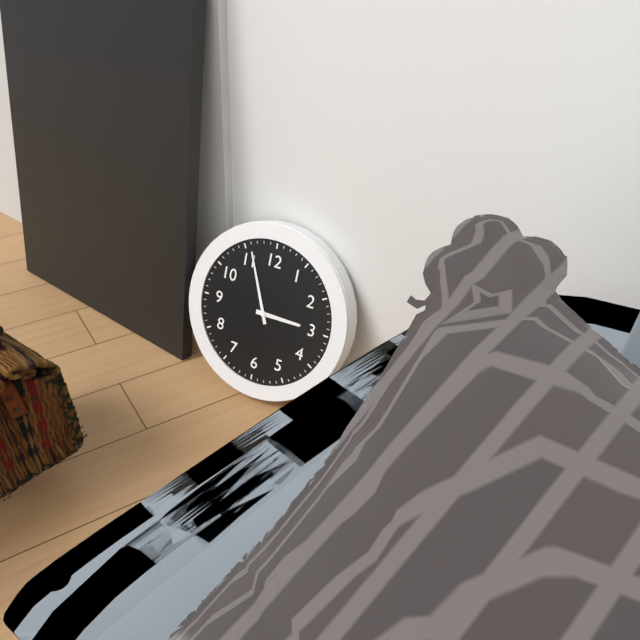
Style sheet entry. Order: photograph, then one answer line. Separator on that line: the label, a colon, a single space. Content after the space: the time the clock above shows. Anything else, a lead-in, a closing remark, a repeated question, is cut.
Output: 2:56
